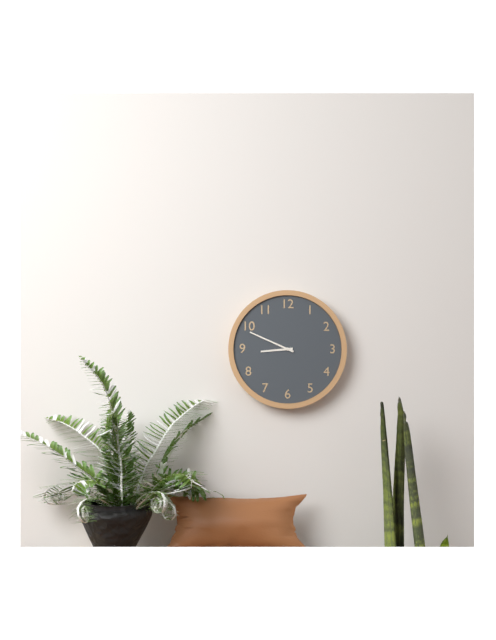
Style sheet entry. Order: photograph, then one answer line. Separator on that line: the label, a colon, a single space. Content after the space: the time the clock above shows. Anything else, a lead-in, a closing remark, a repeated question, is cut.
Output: 8:49
